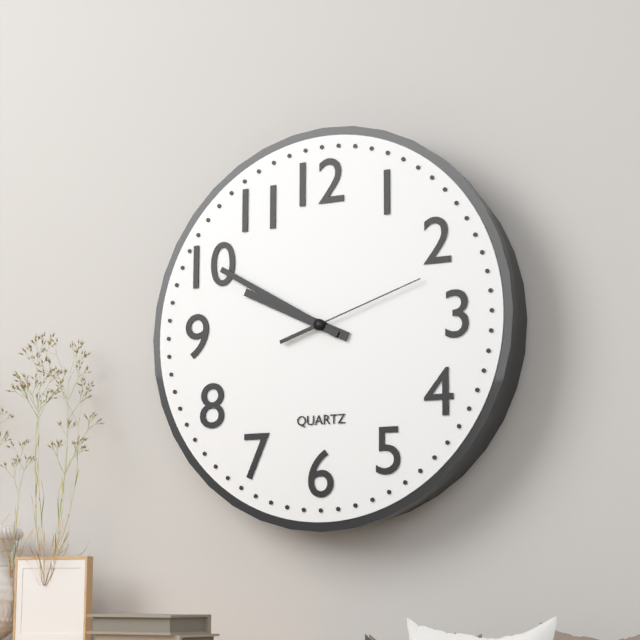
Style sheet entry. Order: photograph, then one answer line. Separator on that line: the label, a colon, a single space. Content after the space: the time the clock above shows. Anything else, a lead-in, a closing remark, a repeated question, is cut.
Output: 9:50:12
